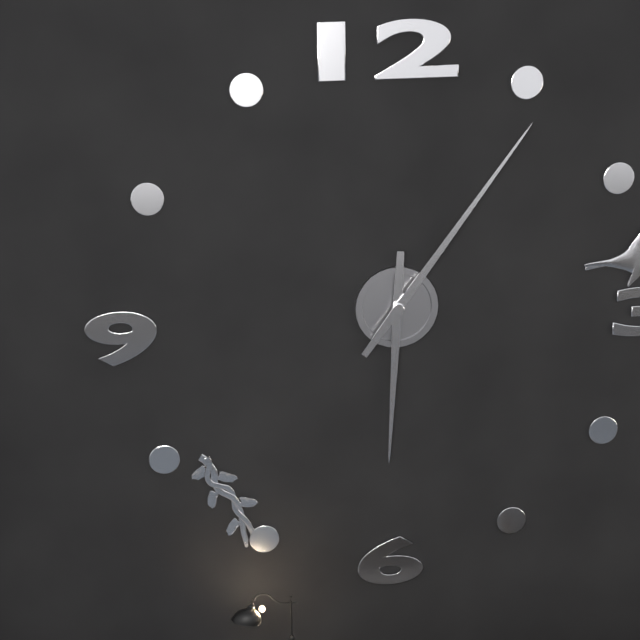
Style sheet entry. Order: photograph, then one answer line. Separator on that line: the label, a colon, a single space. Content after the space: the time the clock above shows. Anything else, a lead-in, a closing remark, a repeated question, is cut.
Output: 6:06
